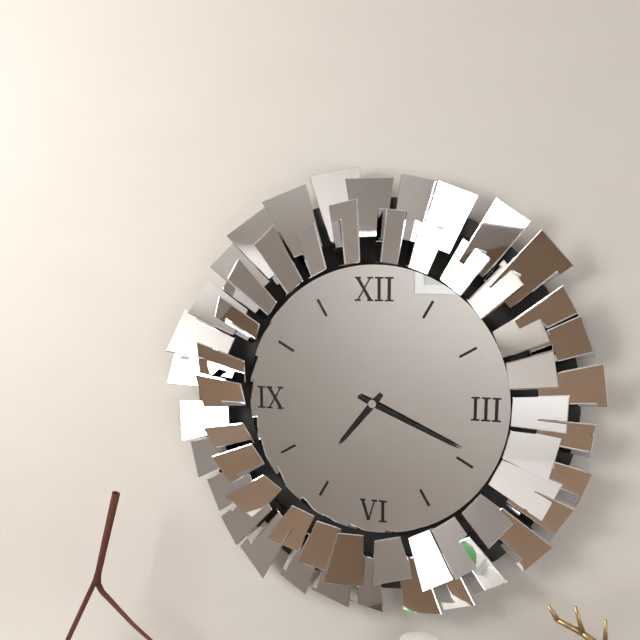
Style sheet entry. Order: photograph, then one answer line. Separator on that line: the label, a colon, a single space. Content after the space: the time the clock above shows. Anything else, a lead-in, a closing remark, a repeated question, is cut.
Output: 7:19
